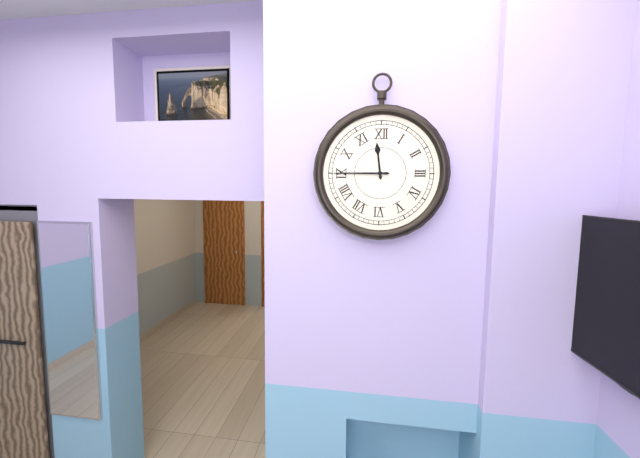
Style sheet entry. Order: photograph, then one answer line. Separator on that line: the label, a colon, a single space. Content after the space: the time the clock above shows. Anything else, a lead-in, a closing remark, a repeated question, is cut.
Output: 11:45
